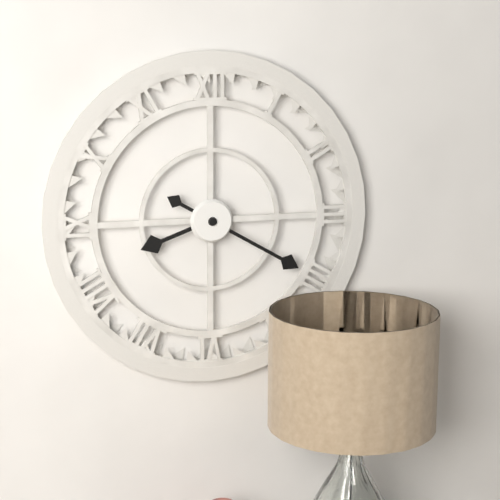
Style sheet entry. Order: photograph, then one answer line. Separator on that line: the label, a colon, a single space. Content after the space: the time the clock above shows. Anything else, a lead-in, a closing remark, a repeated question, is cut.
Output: 8:20
